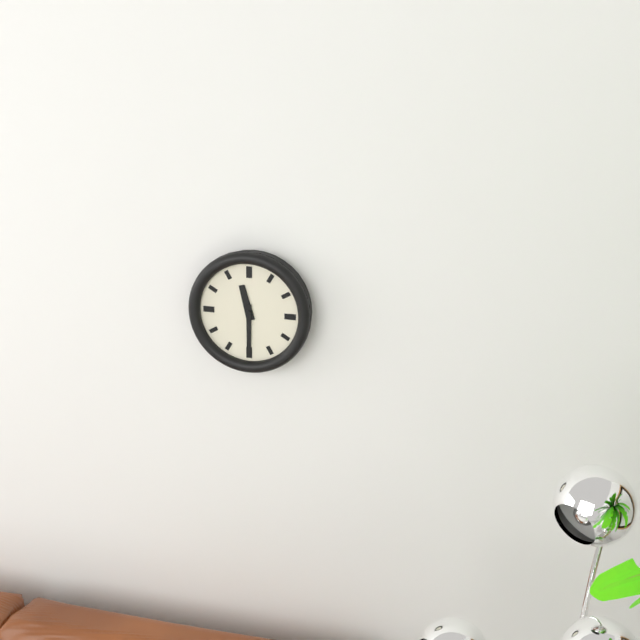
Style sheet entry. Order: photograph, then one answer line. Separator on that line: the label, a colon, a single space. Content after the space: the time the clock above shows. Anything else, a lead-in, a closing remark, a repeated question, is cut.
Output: 11:30
